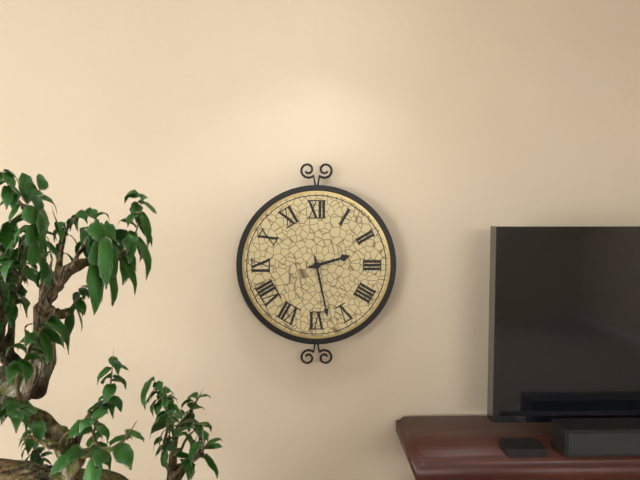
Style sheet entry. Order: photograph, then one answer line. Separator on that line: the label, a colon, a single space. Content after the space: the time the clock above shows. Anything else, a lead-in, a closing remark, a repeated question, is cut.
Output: 2:28
